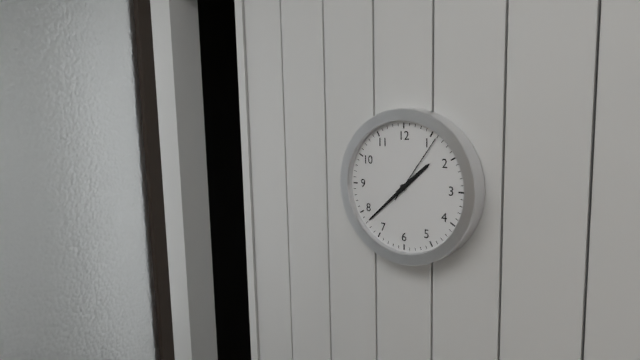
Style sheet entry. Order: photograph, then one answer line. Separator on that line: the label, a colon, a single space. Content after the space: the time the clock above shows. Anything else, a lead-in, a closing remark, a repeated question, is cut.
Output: 1:38:06
